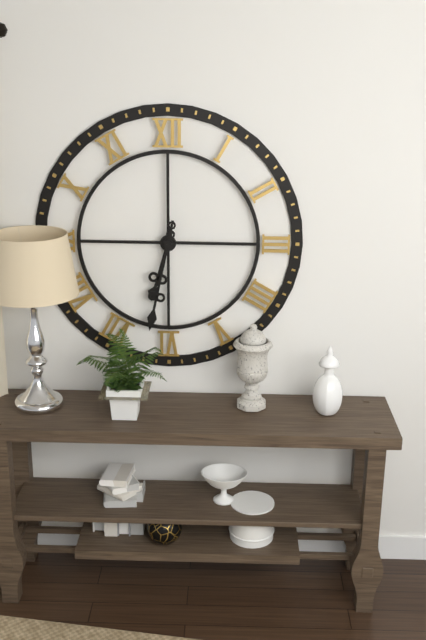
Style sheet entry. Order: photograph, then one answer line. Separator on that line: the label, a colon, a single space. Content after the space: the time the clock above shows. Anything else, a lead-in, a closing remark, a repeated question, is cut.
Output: 6:32
